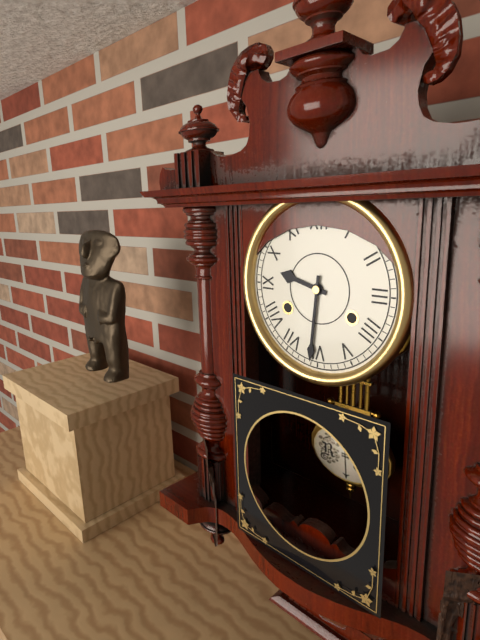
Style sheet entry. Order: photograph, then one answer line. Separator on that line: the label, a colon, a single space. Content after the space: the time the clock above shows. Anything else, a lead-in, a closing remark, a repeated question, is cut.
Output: 9:31
